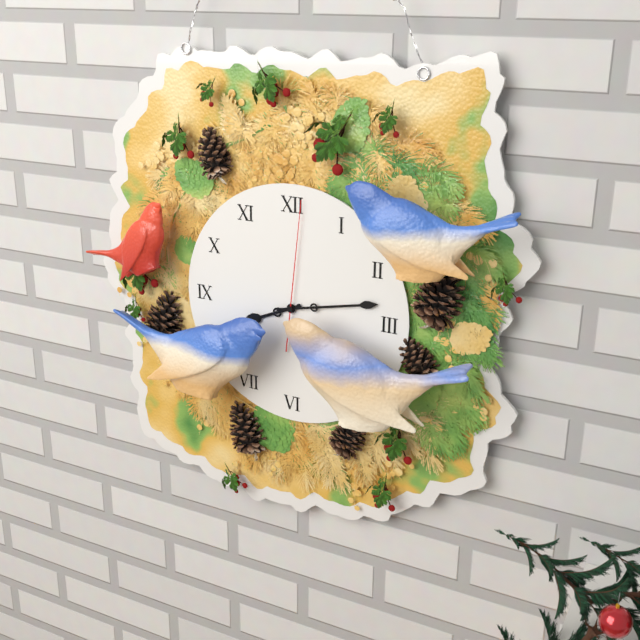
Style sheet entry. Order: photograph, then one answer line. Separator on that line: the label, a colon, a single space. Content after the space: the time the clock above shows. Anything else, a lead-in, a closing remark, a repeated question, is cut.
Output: 8:13:01
